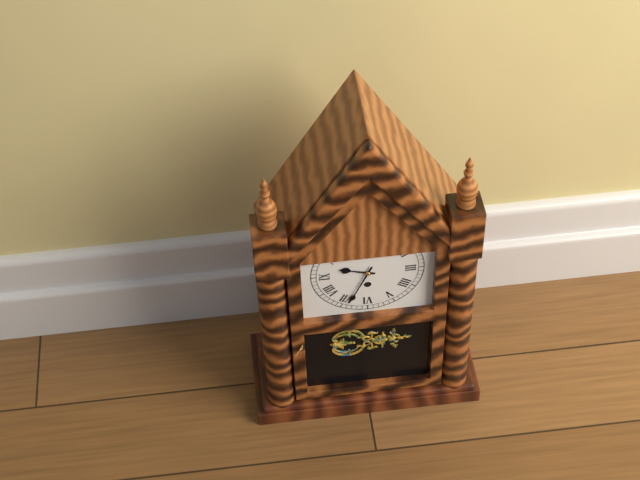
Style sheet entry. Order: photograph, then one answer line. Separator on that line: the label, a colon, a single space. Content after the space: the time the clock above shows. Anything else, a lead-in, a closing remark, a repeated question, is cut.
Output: 9:34
